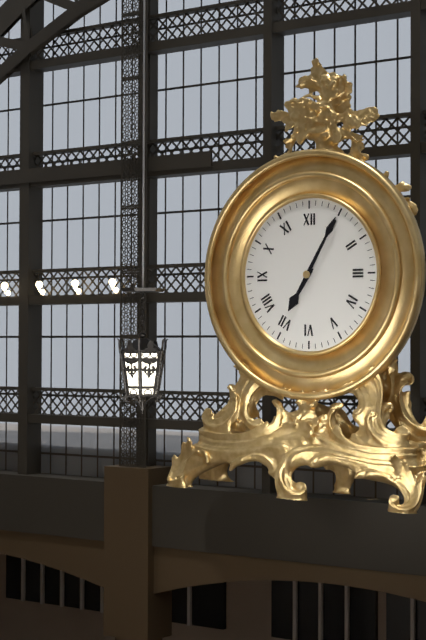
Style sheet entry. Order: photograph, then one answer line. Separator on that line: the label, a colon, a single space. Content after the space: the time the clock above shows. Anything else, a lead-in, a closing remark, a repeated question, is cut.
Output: 7:05
